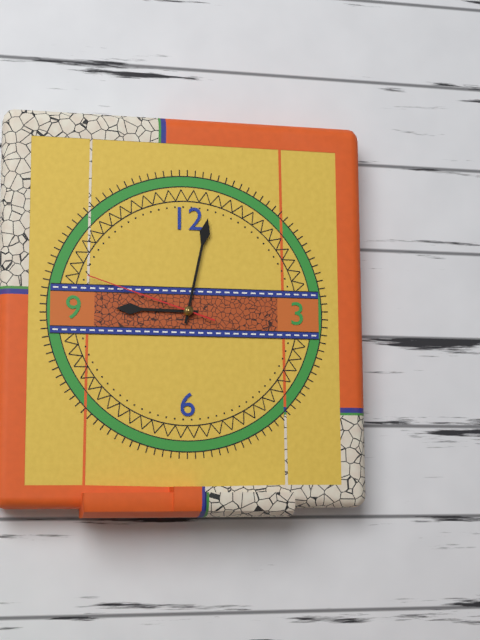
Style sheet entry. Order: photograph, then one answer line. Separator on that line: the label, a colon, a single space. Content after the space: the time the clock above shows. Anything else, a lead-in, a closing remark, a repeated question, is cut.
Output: 9:02:48
